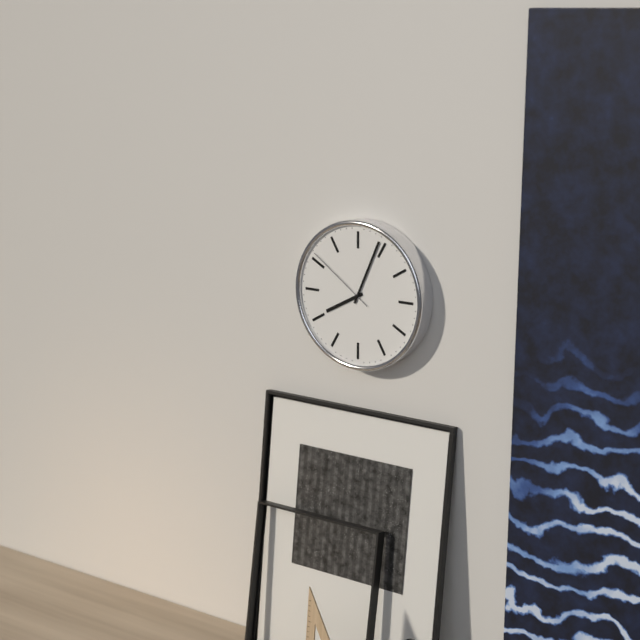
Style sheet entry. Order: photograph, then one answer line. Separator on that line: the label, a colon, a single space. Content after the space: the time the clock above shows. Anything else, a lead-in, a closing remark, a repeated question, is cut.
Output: 8:04:51
